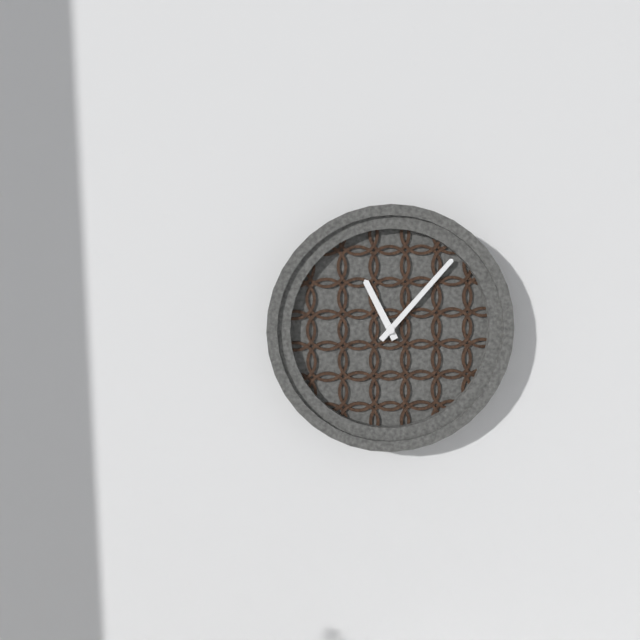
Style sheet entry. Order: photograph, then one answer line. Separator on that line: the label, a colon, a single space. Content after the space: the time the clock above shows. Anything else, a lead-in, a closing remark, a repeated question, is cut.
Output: 11:07
